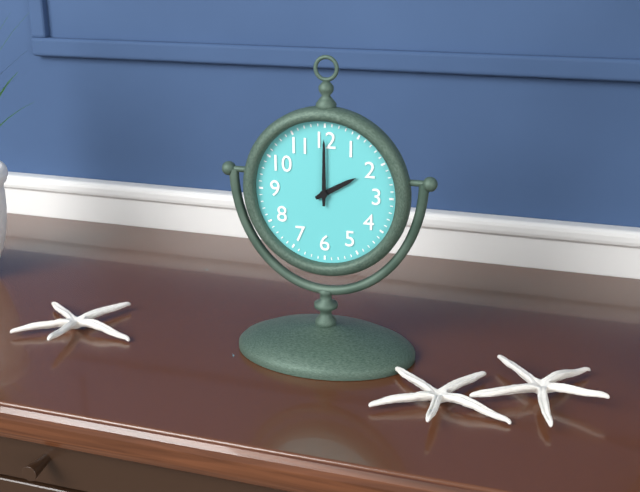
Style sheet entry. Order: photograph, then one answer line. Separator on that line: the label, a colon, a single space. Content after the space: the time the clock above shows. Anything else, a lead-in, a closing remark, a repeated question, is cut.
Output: 2:00
